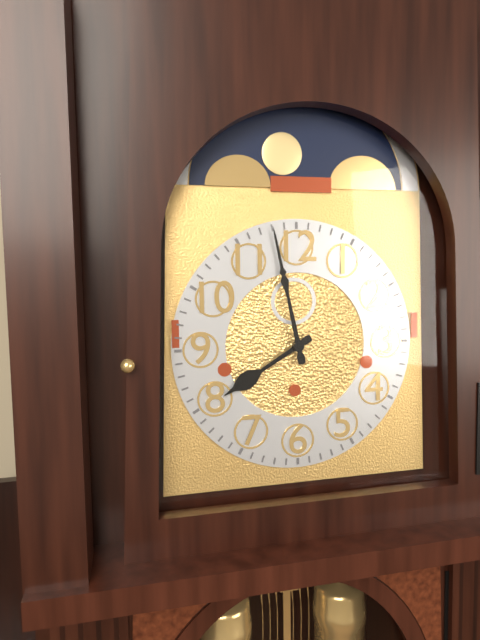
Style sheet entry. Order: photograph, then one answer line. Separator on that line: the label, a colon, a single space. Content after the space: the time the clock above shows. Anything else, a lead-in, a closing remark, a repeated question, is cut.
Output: 7:58
